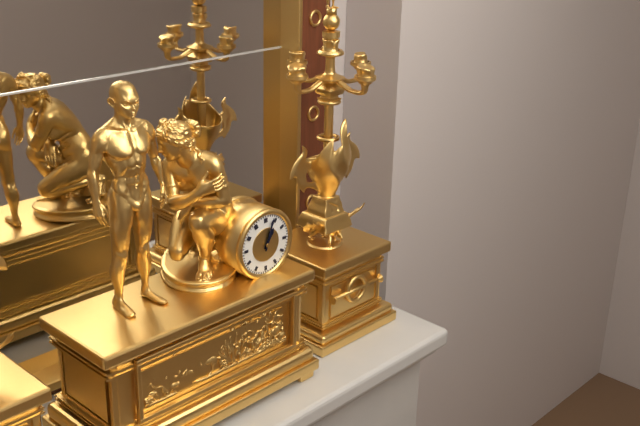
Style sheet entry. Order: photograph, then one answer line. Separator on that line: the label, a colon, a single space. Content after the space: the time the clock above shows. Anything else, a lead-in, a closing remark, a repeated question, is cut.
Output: 1:03
